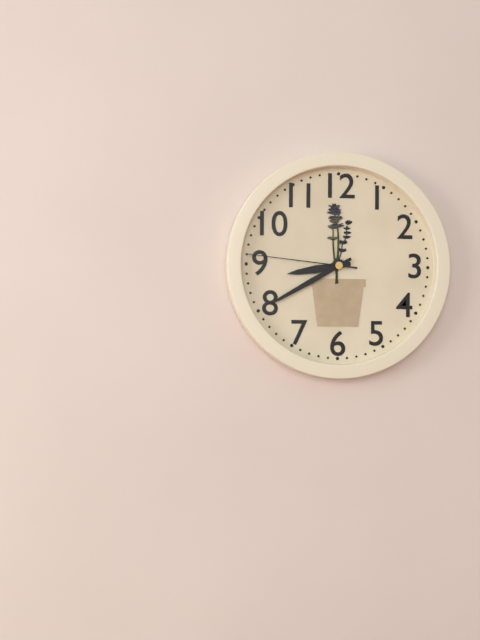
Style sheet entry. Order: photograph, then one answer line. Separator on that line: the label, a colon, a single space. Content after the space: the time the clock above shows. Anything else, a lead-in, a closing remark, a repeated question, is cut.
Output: 8:40:46
